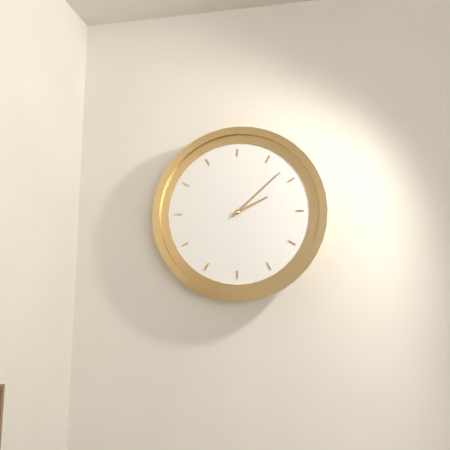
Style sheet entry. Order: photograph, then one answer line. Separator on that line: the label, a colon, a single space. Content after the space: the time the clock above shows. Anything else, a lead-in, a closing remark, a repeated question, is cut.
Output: 2:08
